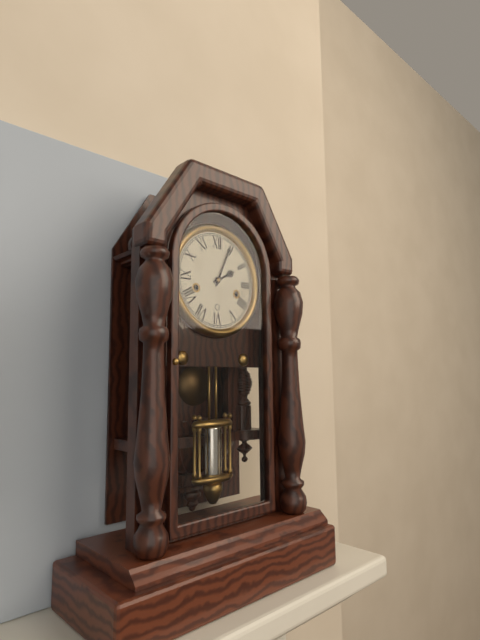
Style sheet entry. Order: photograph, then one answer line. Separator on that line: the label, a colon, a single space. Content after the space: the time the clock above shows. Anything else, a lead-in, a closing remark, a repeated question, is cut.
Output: 2:04
